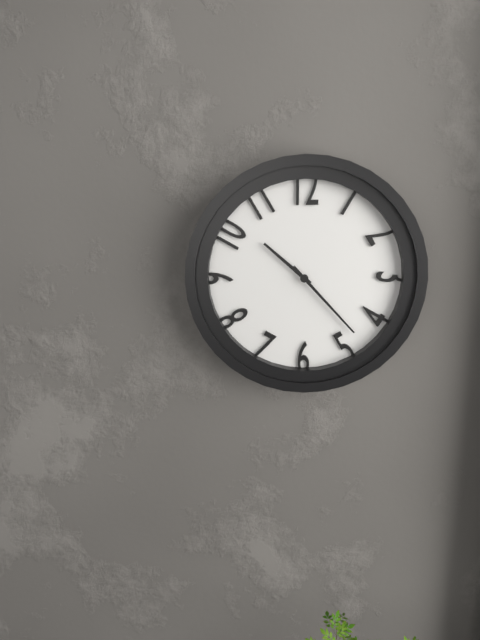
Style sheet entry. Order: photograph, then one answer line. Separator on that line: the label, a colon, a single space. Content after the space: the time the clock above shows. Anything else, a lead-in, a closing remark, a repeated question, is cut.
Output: 10:23
